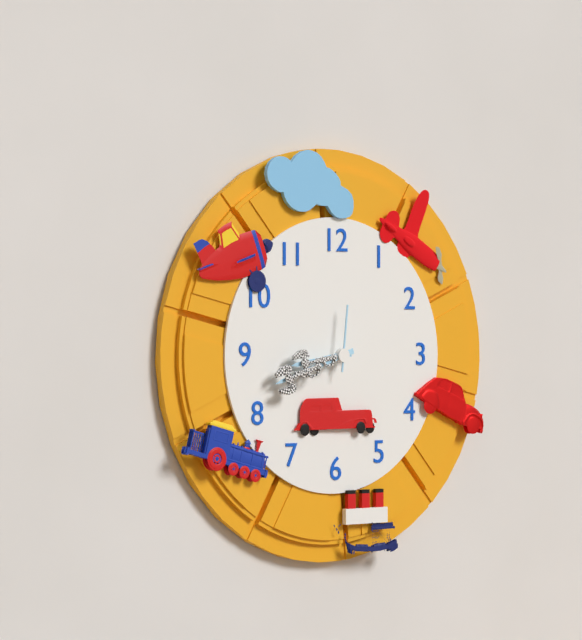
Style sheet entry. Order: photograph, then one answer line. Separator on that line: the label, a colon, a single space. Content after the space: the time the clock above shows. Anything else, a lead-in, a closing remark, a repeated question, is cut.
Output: 8:42:01
